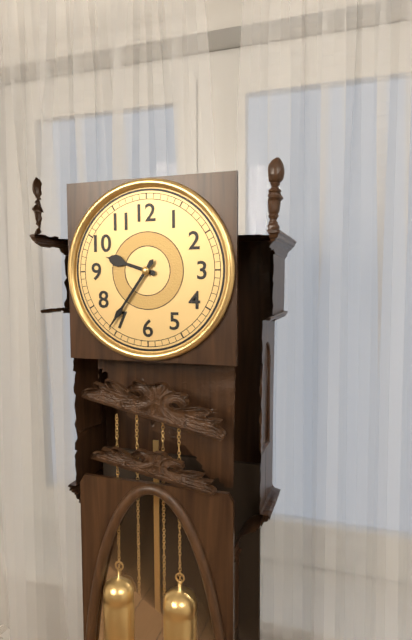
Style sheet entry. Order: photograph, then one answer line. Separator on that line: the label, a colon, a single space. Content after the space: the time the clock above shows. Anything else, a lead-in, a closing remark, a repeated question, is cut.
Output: 9:36
